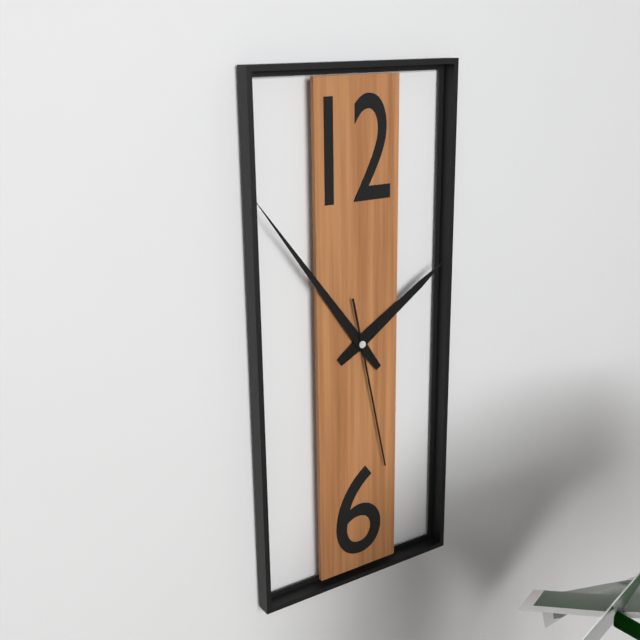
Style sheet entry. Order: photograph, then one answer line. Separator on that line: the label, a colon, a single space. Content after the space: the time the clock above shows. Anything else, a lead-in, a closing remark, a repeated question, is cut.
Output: 1:54:28
